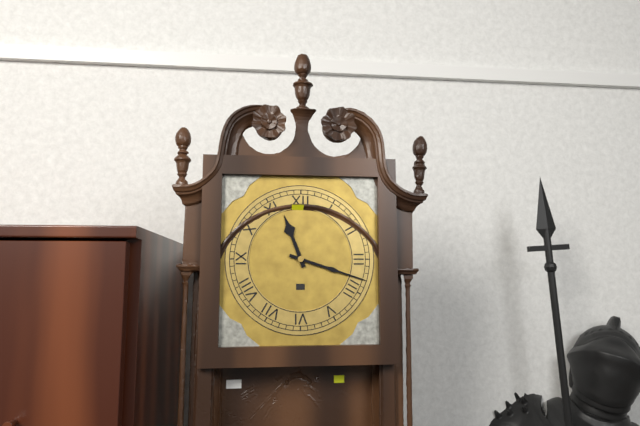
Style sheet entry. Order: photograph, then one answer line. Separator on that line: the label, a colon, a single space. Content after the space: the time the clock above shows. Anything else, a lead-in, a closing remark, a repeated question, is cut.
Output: 11:18
